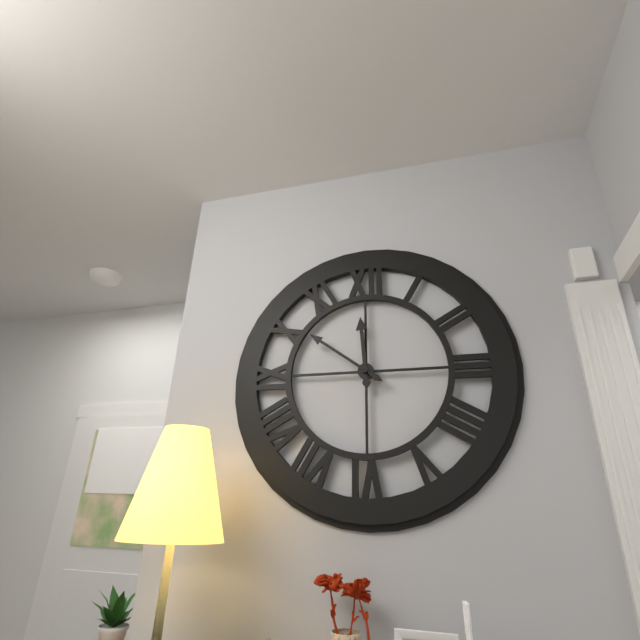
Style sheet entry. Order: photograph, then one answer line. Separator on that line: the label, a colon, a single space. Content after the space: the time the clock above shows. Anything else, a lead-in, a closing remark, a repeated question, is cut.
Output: 11:51
